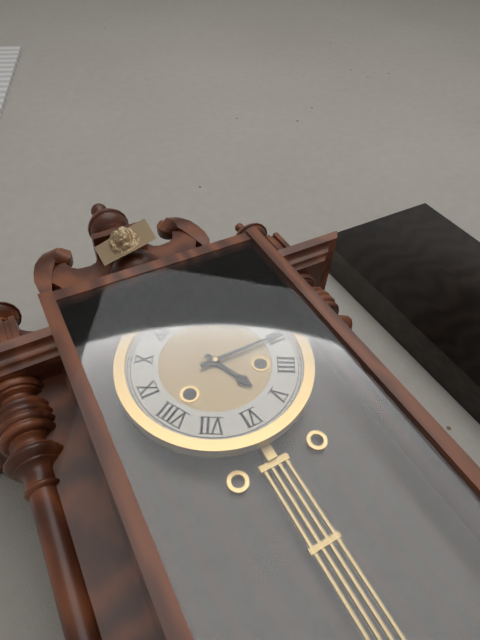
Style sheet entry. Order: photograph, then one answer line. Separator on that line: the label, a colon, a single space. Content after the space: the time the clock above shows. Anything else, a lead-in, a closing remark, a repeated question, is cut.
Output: 5:15
